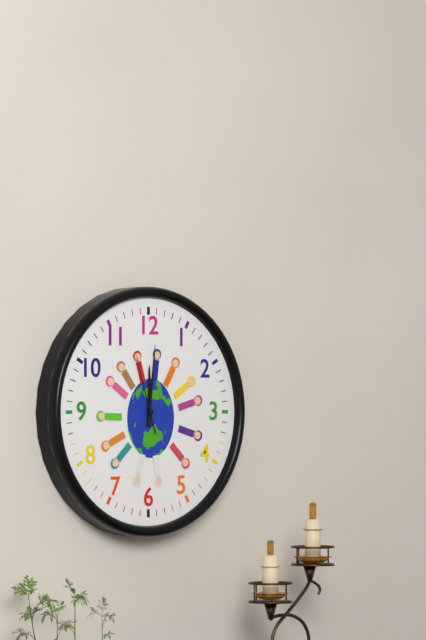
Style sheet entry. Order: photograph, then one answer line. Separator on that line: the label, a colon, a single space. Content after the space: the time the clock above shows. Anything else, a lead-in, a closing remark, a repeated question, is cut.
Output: 12:01:57
